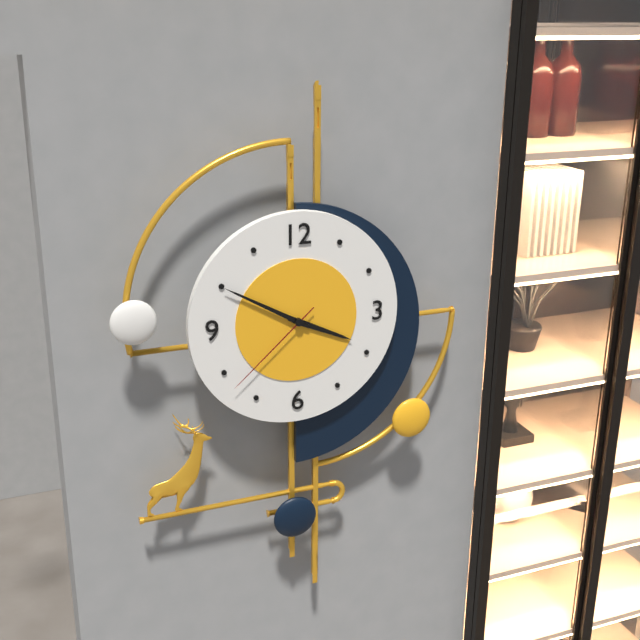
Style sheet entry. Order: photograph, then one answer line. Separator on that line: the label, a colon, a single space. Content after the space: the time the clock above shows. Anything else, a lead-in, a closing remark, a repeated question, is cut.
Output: 3:50:38
